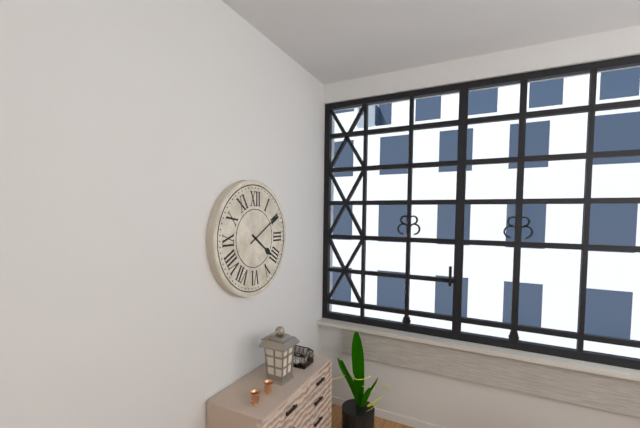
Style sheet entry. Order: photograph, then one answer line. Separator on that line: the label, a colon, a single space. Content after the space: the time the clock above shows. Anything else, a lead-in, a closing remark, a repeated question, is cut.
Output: 4:10
